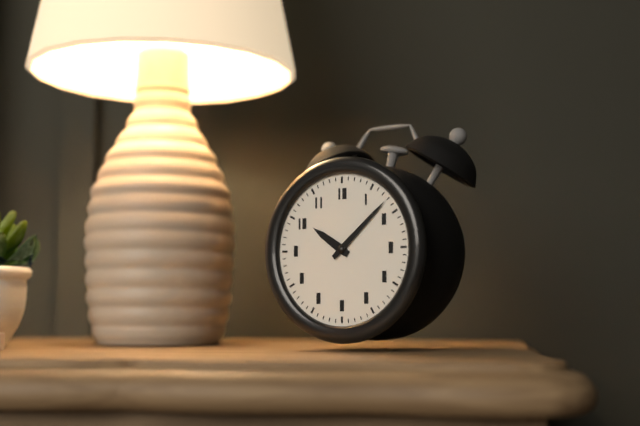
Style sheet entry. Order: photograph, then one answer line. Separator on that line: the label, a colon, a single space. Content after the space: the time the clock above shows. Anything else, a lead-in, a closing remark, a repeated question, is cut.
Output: 10:08
